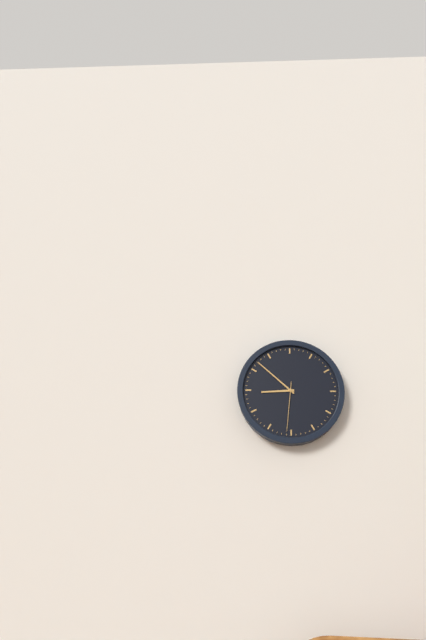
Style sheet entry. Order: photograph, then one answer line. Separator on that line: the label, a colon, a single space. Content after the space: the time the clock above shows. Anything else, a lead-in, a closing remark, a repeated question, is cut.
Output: 8:52
